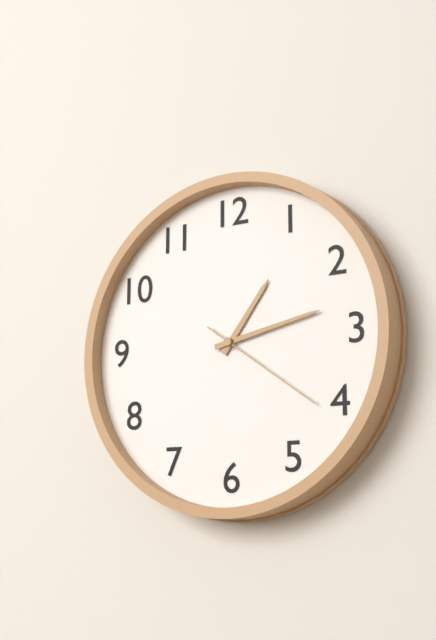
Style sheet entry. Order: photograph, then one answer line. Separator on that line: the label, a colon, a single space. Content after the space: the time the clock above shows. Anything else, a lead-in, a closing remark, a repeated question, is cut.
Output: 1:13:21
